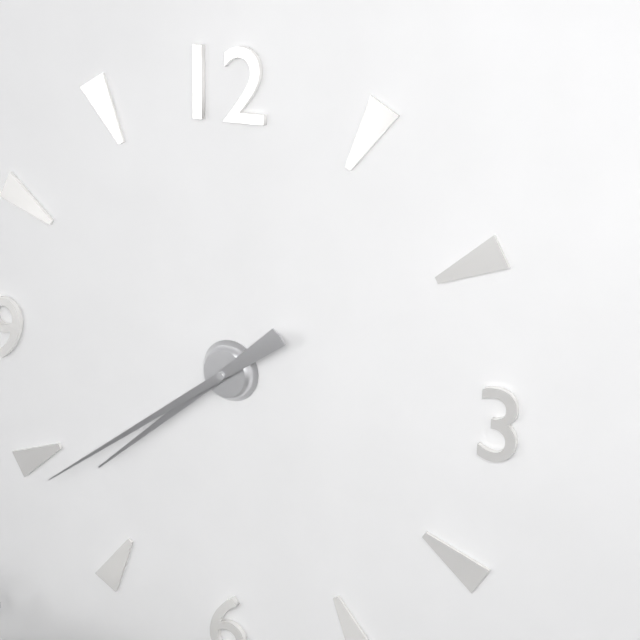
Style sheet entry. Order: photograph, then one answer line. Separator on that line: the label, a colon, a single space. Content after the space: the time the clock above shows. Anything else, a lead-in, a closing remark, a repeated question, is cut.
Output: 7:39
